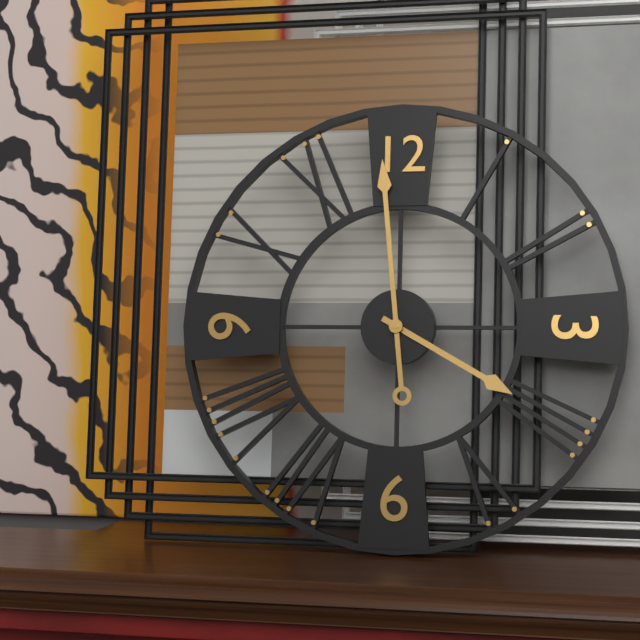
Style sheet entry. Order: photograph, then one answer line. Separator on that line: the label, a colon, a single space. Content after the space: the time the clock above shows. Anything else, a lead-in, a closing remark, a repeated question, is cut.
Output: 3:59
